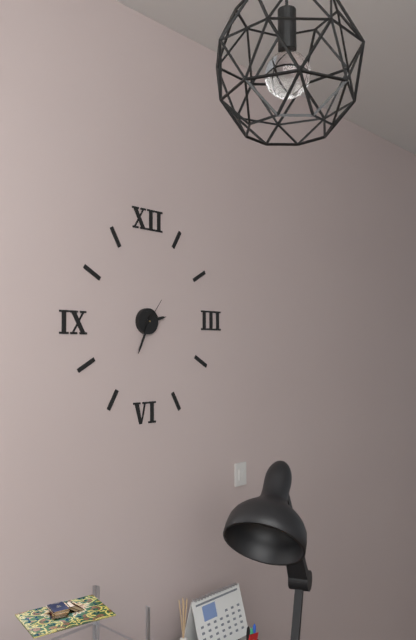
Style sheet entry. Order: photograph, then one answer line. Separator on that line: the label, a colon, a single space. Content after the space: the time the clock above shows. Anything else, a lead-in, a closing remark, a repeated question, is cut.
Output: 2:34
